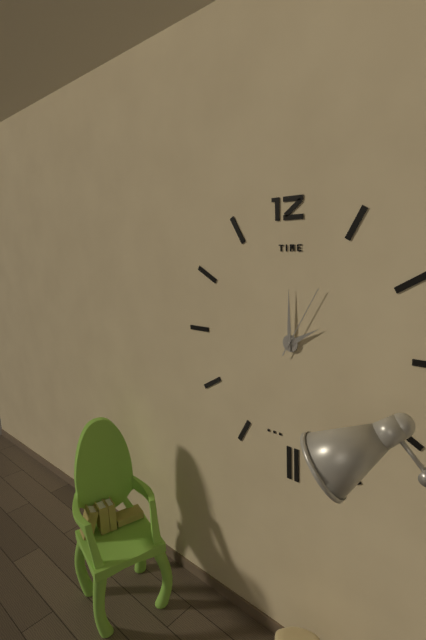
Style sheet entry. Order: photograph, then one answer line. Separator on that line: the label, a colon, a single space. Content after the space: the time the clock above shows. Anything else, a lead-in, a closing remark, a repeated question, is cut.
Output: 2:00:05
